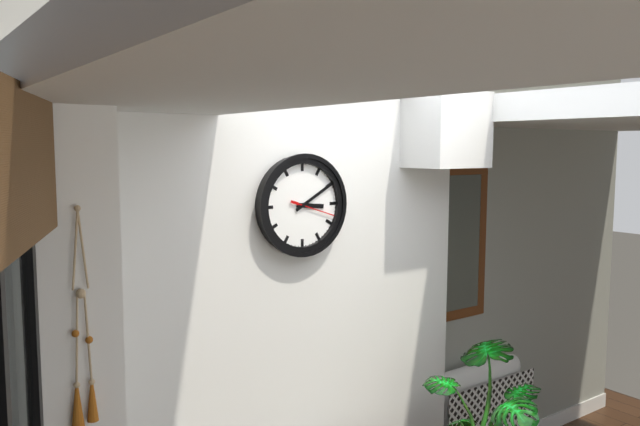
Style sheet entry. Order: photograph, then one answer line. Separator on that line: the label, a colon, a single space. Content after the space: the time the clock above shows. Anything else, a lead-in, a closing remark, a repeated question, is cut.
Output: 3:10
